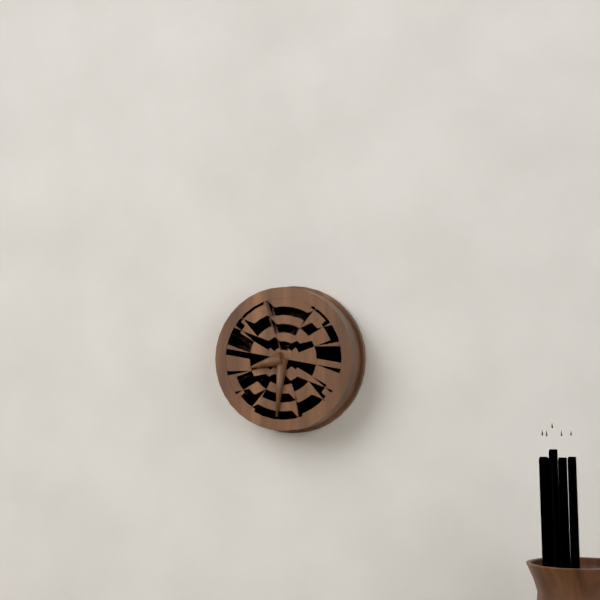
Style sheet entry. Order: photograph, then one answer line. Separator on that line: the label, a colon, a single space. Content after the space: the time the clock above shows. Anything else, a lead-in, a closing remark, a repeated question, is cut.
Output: 8:31
